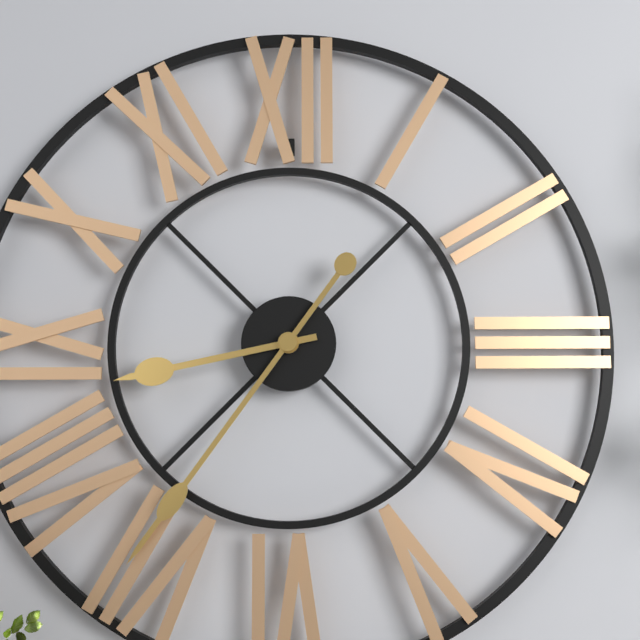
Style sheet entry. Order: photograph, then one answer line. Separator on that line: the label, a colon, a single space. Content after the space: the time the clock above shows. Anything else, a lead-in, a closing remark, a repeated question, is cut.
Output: 8:36
